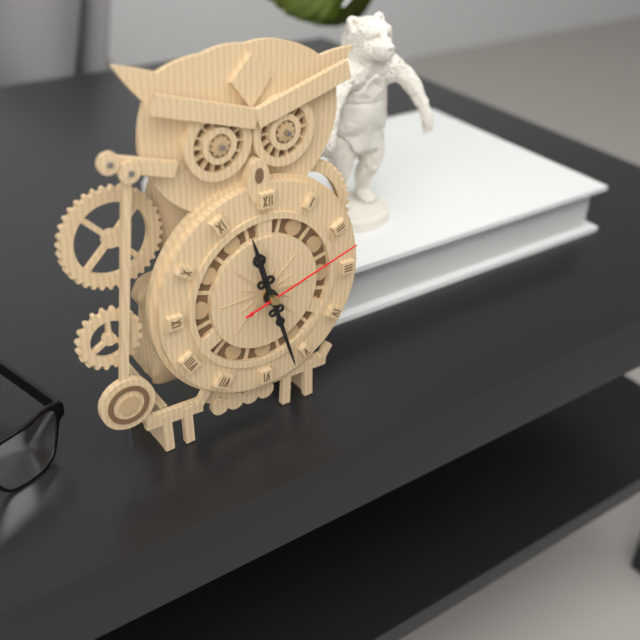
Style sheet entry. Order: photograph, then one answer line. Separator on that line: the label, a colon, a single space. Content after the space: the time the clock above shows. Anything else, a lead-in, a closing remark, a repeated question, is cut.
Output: 11:27:12
